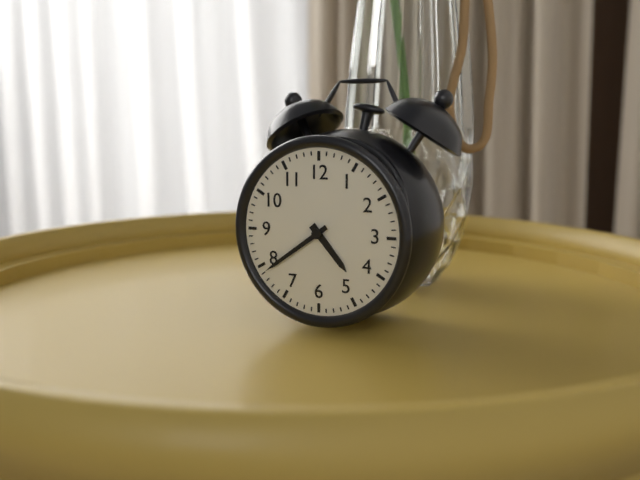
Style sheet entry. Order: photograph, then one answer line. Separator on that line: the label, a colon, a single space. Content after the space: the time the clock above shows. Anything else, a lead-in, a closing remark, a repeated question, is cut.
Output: 4:39
